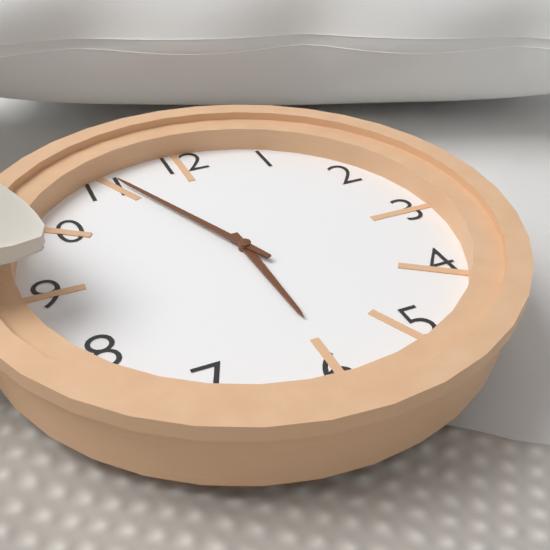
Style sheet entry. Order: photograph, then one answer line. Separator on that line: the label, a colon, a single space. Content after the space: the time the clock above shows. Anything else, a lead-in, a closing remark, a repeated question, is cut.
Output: 5:56
